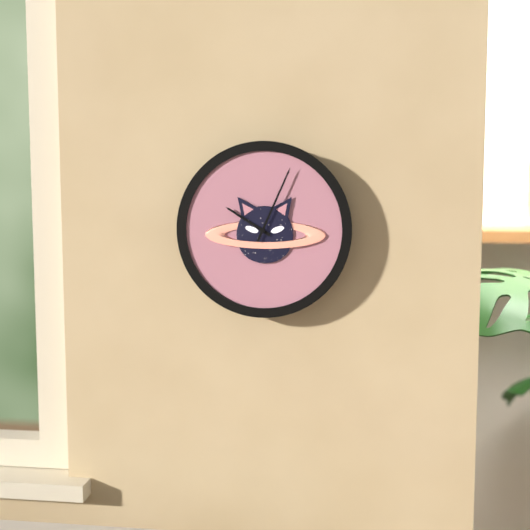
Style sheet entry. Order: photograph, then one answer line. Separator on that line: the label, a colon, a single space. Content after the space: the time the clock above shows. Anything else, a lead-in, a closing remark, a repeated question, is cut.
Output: 10:04
